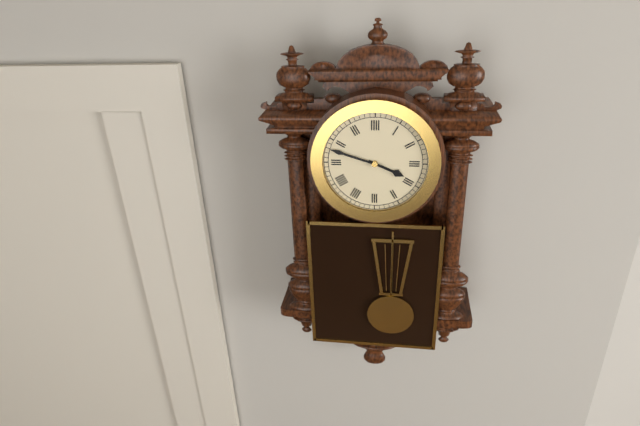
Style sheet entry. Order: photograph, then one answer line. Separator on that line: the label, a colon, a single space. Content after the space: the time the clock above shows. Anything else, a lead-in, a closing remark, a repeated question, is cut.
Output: 3:48
